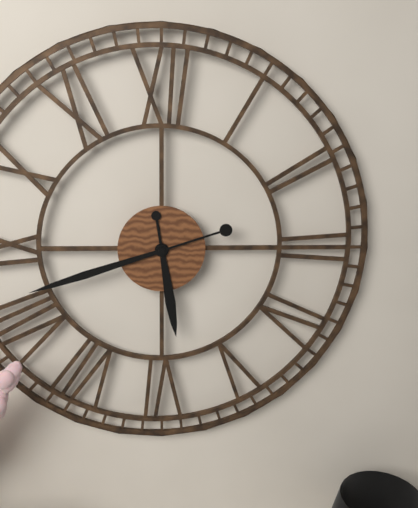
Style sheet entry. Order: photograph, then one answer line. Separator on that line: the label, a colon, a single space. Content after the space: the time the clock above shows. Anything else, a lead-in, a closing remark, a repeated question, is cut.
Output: 5:42
